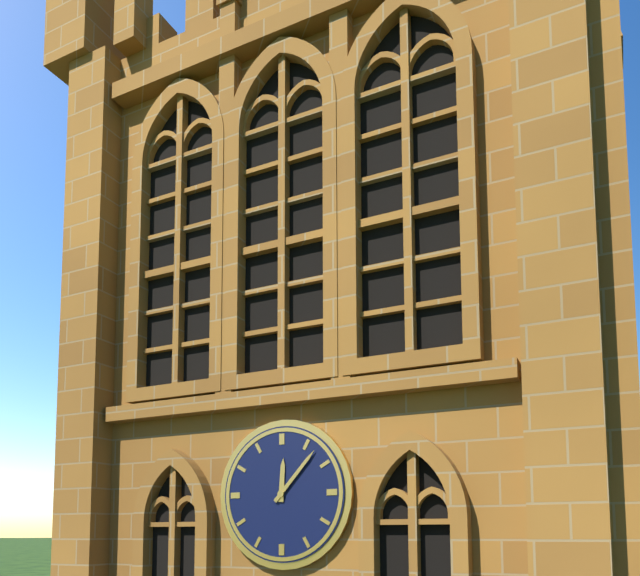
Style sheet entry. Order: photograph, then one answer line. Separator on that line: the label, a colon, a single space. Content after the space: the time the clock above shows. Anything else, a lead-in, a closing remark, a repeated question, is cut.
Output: 12:07
